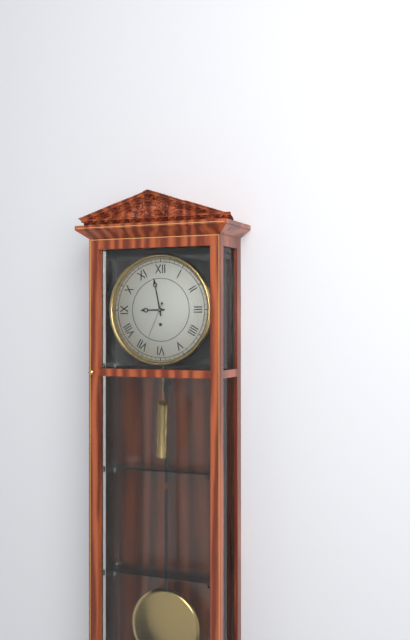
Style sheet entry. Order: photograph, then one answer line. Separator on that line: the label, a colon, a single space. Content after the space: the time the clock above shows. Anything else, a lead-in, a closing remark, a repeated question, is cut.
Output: 8:58
